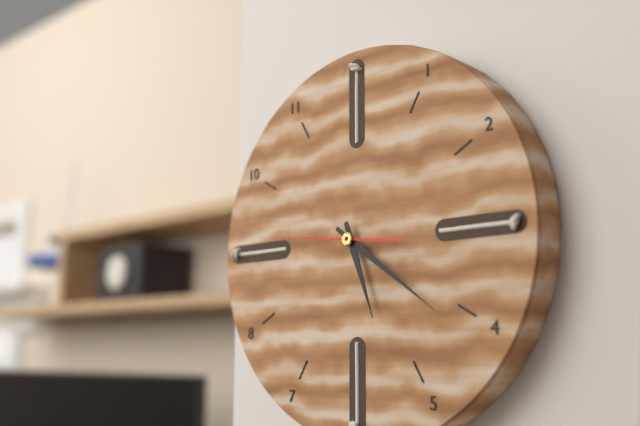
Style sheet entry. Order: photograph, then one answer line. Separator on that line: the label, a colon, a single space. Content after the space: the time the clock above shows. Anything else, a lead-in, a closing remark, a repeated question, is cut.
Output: 5:21:46
